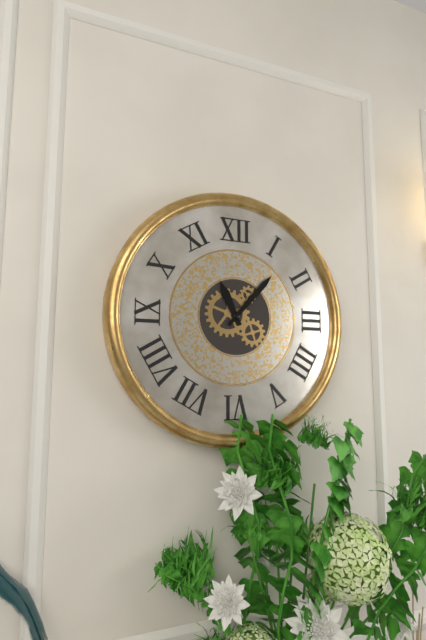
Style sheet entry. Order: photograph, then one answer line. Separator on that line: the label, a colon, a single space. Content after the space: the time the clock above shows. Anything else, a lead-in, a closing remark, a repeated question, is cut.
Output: 11:07
